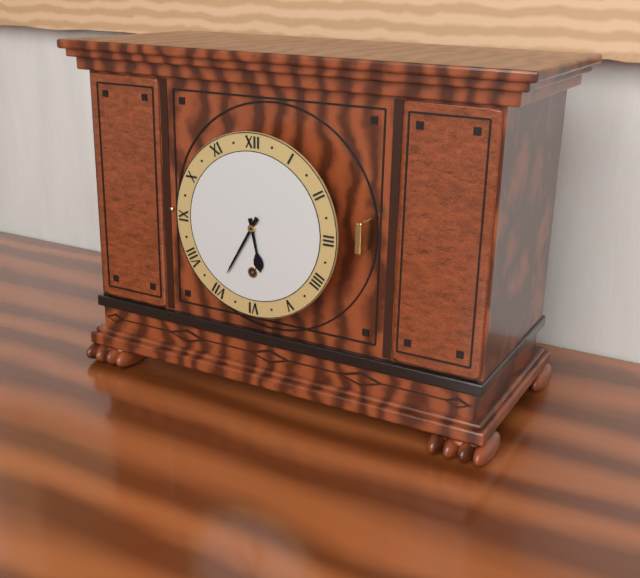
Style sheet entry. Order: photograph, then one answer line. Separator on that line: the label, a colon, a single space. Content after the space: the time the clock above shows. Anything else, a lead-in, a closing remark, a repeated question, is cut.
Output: 5:35
